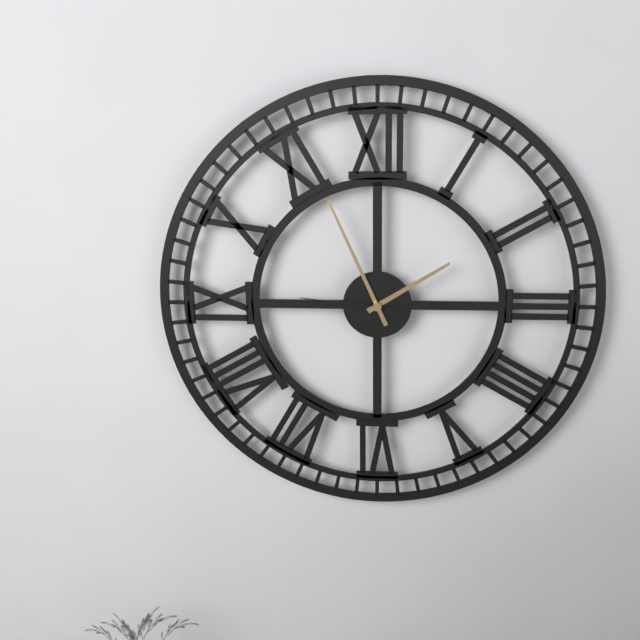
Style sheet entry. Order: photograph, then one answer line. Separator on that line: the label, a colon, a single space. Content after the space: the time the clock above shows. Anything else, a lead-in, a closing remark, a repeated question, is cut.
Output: 1:56:46
